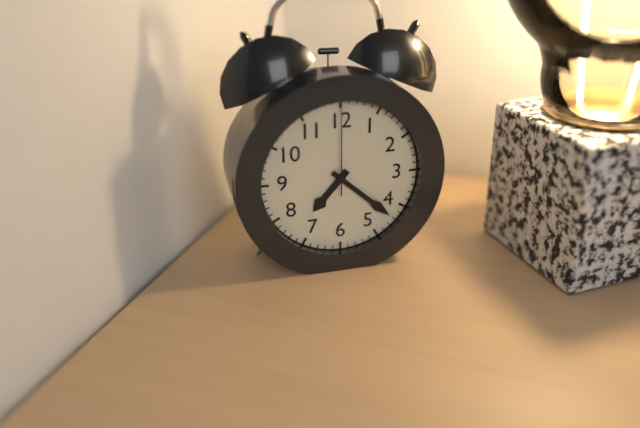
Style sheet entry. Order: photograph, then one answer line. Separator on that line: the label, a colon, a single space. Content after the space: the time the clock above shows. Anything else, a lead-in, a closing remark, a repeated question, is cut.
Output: 7:22:00
